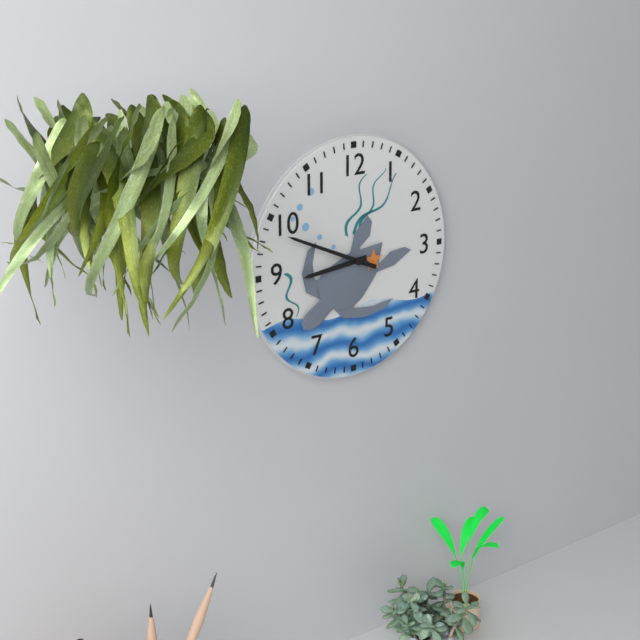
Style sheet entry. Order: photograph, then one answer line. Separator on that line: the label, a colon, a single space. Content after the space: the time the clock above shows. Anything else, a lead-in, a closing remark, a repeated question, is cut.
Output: 8:49
